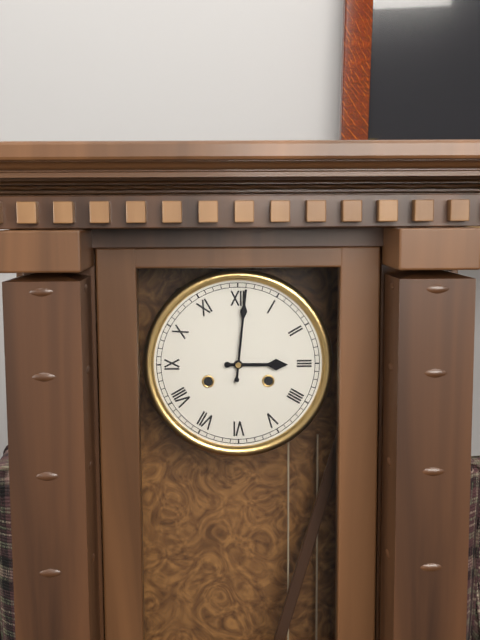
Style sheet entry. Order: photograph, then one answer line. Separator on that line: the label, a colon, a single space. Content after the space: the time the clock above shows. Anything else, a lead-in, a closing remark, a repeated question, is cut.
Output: 3:01
